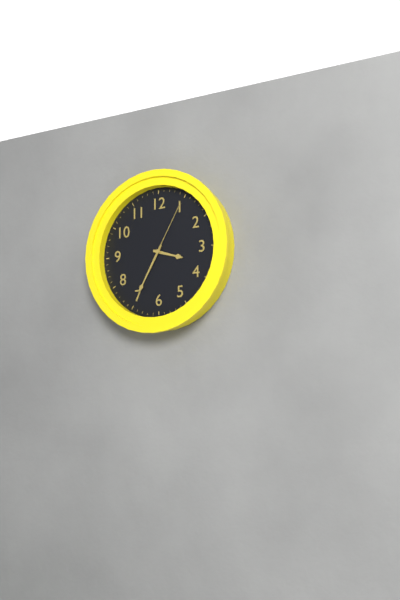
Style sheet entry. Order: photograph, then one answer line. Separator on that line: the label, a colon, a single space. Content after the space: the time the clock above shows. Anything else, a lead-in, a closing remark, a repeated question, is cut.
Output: 3:35:05
